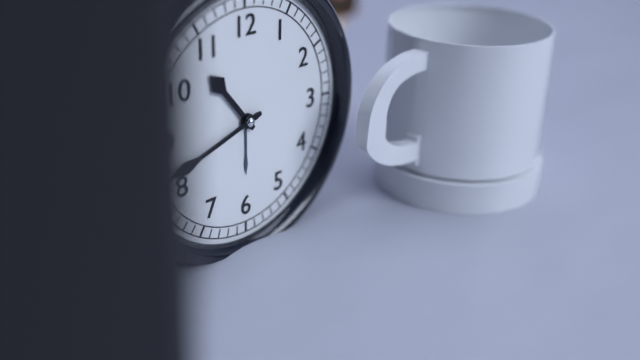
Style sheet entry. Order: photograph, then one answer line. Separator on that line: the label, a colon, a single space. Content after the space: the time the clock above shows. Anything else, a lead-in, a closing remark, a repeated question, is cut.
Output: 10:42
